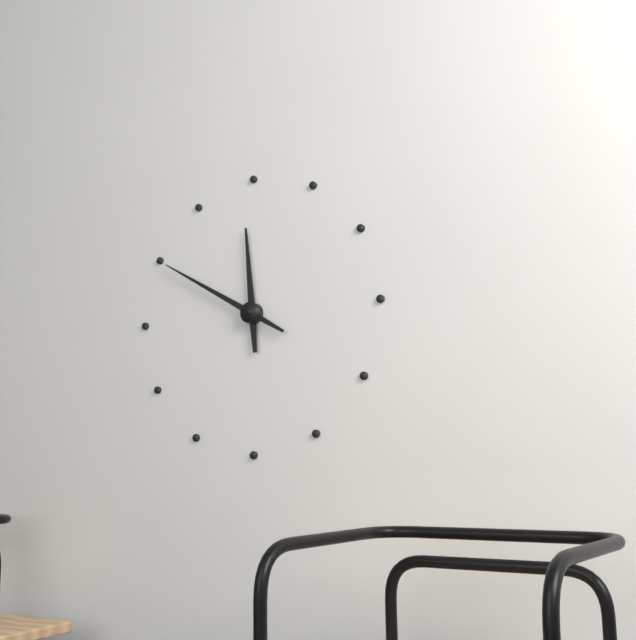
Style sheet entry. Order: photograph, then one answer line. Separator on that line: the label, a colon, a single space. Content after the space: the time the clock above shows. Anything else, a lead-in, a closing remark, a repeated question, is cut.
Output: 11:50
